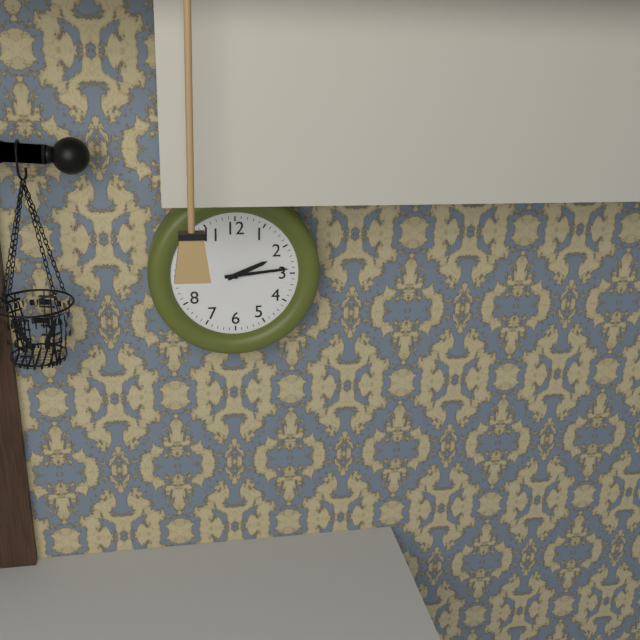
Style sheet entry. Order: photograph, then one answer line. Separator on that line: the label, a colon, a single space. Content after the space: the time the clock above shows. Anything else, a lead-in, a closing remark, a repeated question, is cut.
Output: 2:14
